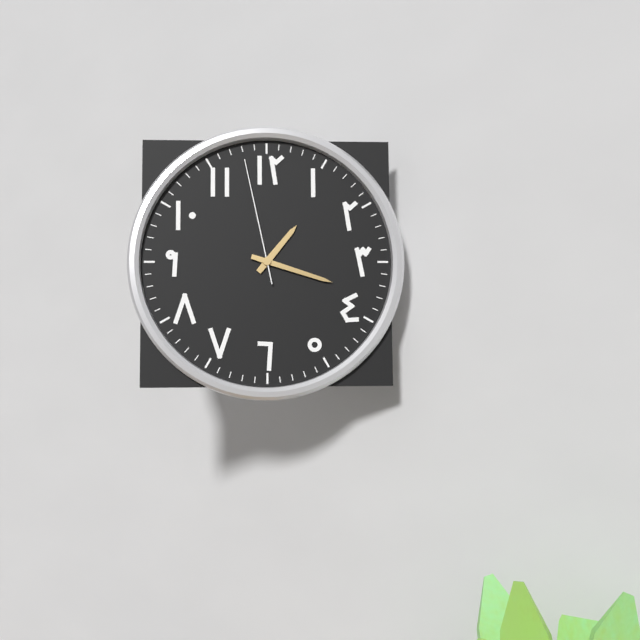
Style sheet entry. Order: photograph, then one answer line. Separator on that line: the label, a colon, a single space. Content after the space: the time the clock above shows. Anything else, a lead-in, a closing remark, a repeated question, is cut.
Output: 1:18:58
